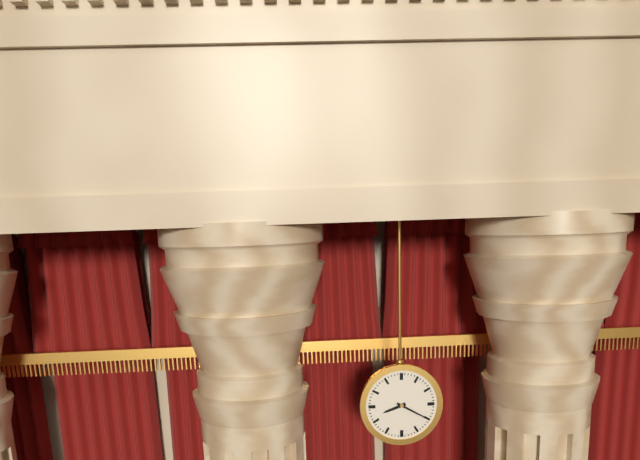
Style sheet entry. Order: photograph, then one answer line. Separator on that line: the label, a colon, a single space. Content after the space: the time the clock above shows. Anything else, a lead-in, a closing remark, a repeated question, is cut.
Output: 8:20
